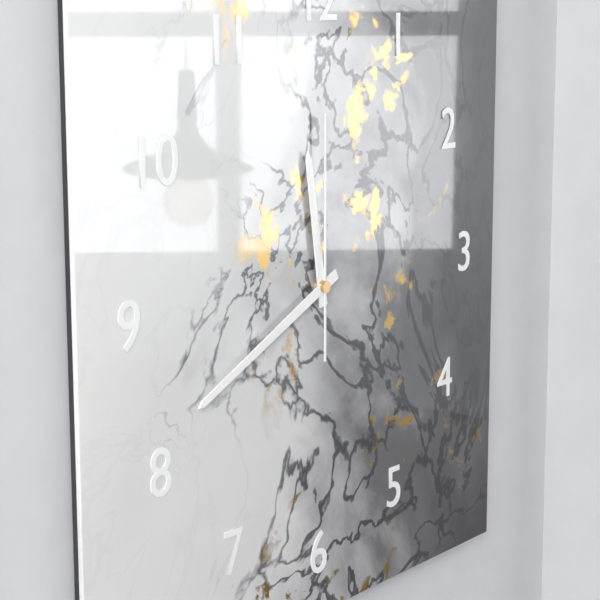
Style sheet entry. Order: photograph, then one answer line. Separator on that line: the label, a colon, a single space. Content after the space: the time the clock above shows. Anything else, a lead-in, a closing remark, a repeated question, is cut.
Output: 11:41:00
